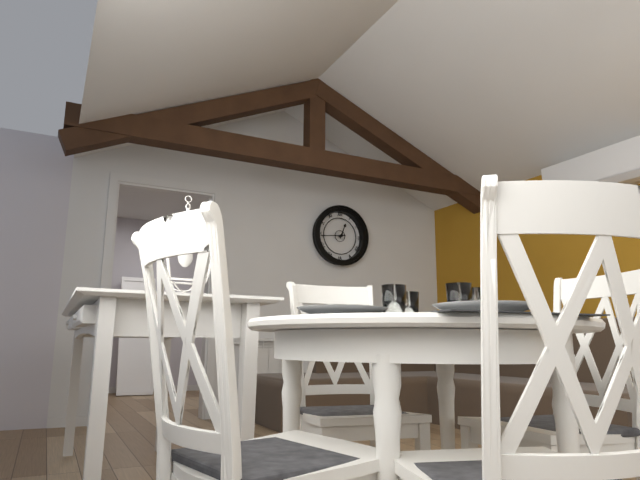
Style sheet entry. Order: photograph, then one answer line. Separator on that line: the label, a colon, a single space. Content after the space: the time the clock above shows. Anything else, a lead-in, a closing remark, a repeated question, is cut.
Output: 12:44
